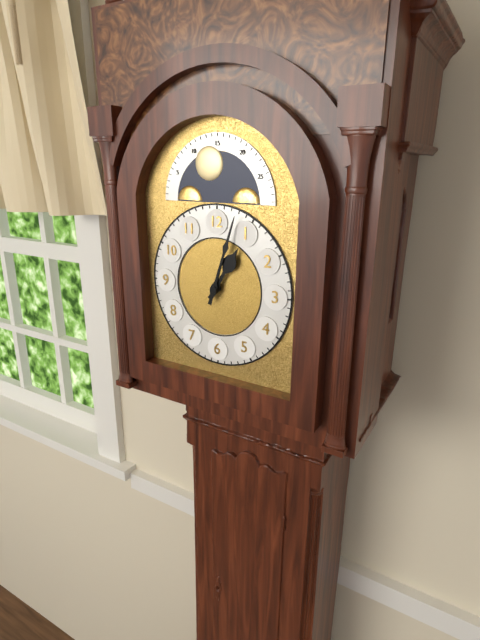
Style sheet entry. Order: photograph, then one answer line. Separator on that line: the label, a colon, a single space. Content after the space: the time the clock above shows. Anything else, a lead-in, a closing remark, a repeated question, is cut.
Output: 1:03
